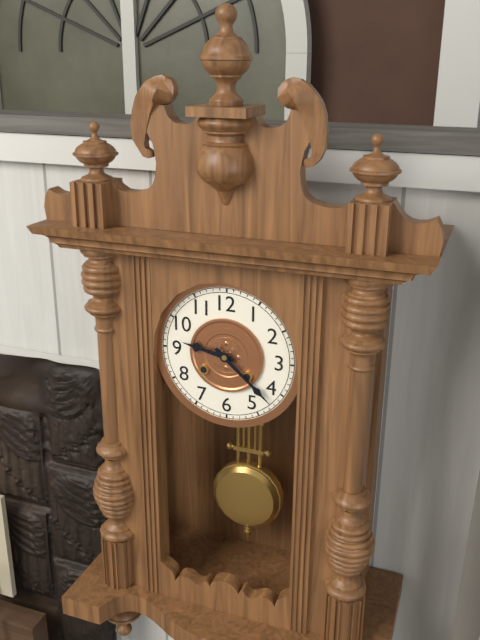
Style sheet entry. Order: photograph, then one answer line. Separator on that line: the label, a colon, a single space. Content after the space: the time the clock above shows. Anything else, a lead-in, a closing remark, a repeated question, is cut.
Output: 9:22
